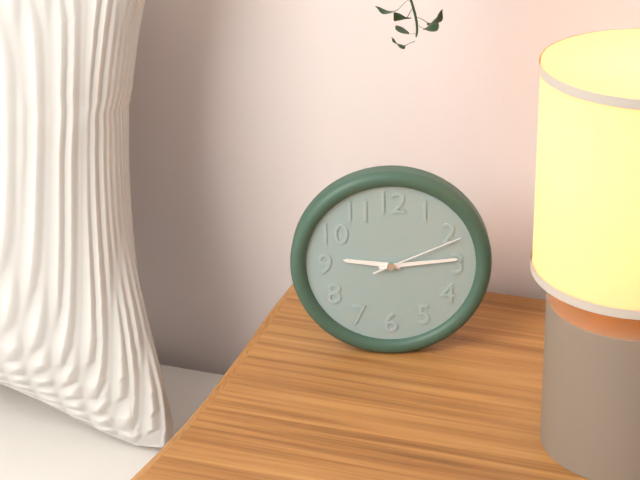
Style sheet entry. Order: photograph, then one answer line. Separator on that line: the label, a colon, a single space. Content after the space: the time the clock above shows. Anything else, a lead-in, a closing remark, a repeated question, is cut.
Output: 9:14:11
